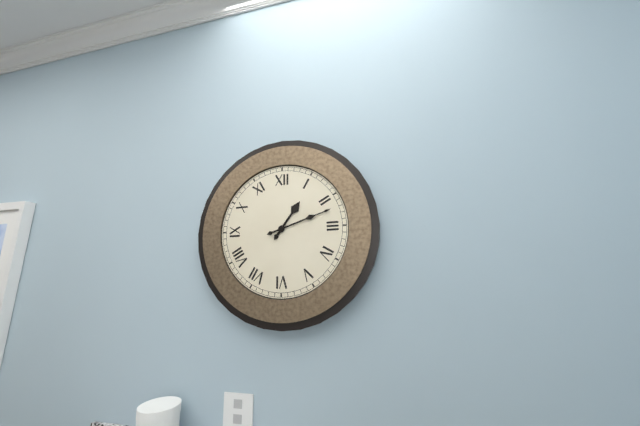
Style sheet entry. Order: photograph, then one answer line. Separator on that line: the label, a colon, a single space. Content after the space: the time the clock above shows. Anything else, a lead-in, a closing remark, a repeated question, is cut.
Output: 1:12
